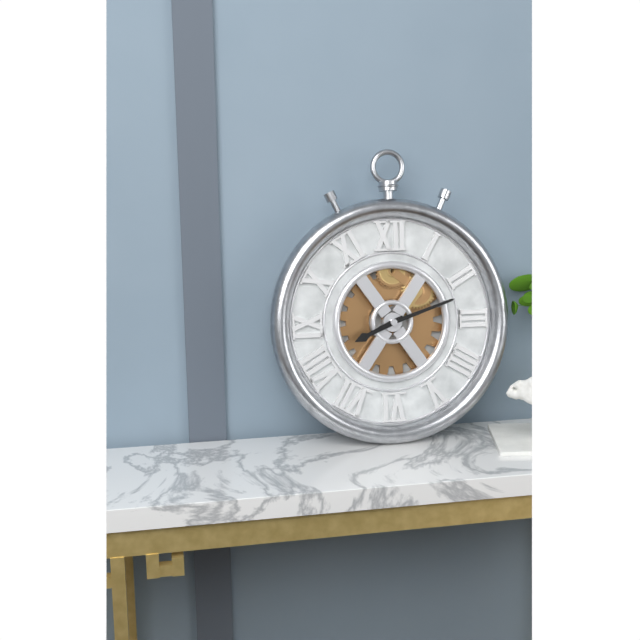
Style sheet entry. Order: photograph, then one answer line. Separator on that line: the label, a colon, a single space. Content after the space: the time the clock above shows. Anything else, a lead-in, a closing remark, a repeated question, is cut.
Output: 8:12
